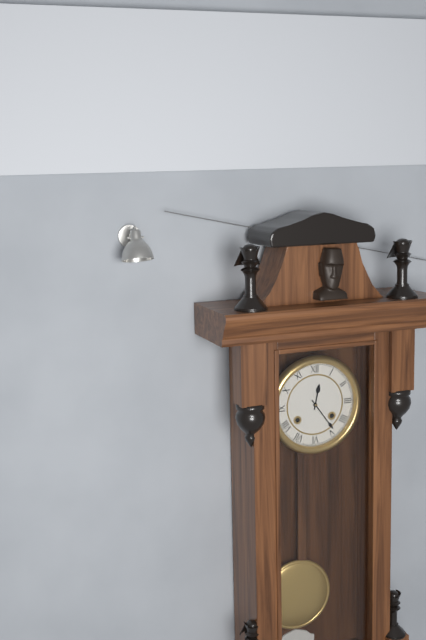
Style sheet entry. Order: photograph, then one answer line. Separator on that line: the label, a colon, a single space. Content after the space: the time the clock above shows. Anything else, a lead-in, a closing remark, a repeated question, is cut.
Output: 12:24
